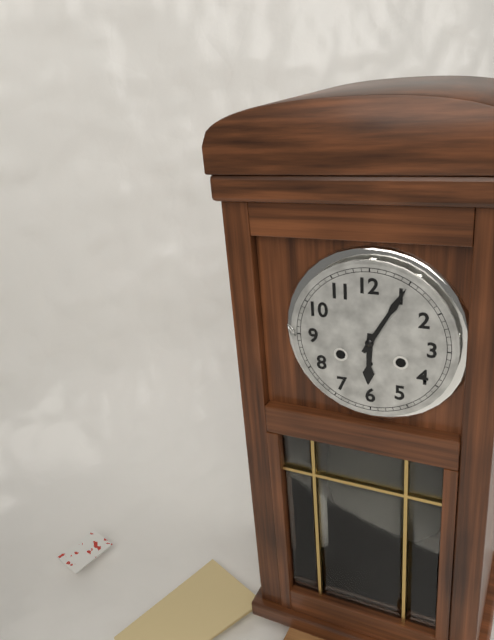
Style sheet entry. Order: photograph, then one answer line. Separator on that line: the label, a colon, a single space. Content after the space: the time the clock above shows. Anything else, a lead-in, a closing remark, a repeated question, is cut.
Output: 6:05
